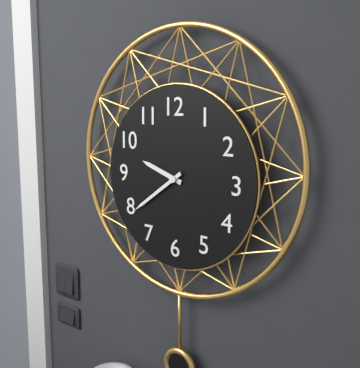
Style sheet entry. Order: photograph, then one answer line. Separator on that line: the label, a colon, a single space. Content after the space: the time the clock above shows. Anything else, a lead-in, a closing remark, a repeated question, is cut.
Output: 9:39
